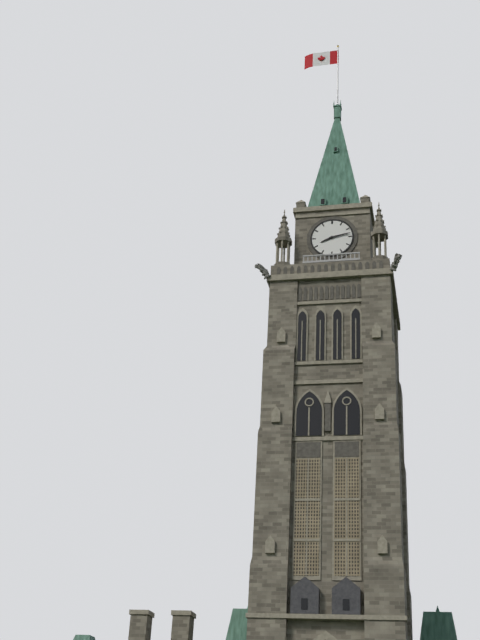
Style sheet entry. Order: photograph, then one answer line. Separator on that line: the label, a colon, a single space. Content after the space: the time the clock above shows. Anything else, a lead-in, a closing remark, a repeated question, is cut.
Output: 8:13
